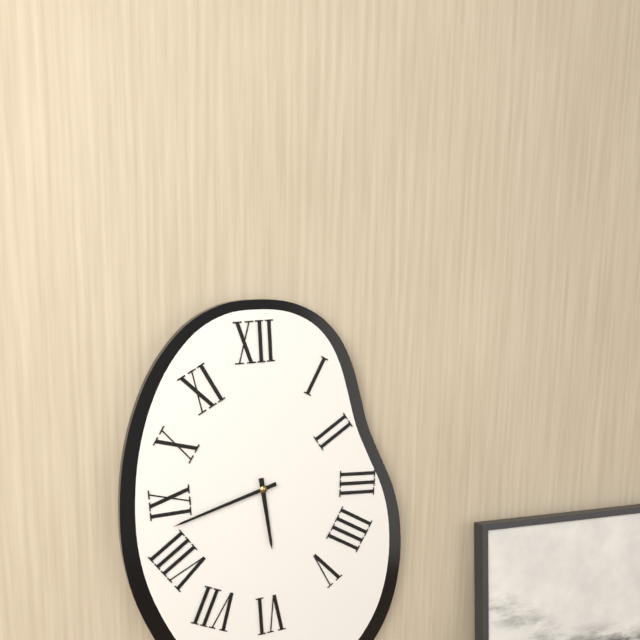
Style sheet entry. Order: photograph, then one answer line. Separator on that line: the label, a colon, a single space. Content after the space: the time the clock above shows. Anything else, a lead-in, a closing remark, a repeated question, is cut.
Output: 5:42
